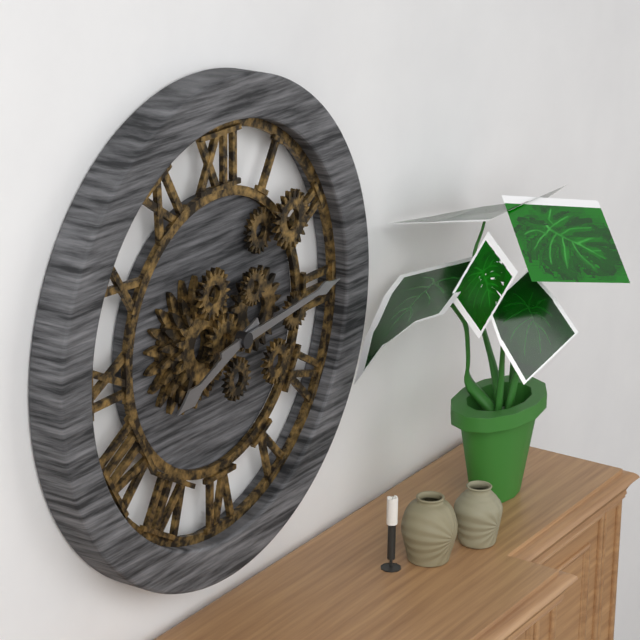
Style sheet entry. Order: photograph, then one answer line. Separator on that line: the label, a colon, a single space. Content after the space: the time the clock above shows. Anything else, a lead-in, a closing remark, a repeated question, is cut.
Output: 8:14
